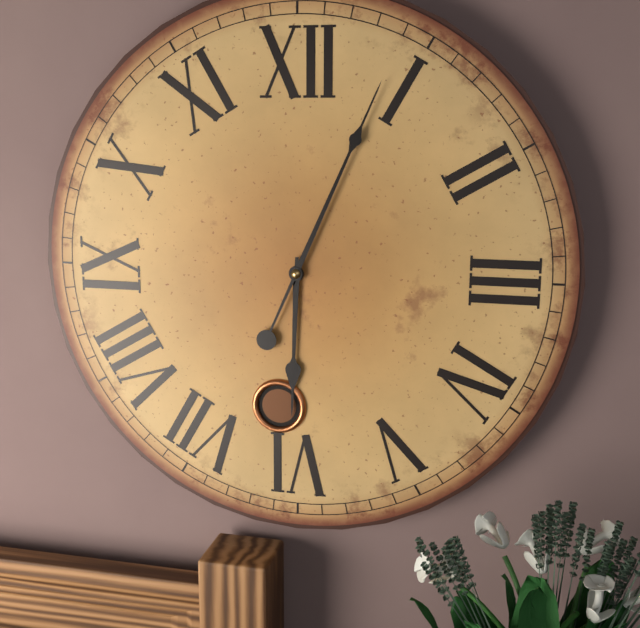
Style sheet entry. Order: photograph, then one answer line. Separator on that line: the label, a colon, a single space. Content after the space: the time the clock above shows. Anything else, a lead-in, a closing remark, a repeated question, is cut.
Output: 6:04
